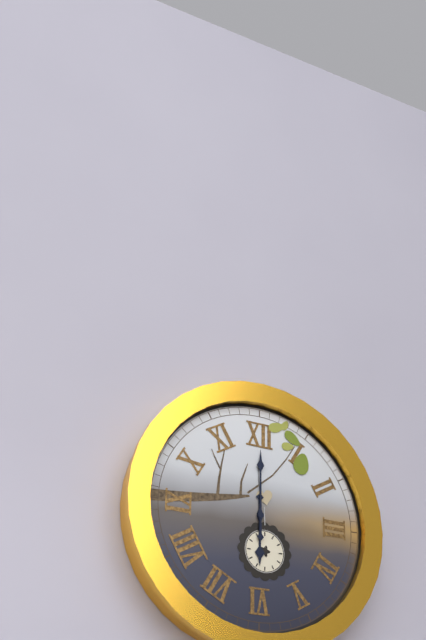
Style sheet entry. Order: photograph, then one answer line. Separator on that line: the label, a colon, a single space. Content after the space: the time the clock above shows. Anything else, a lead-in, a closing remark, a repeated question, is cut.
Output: 6:00
